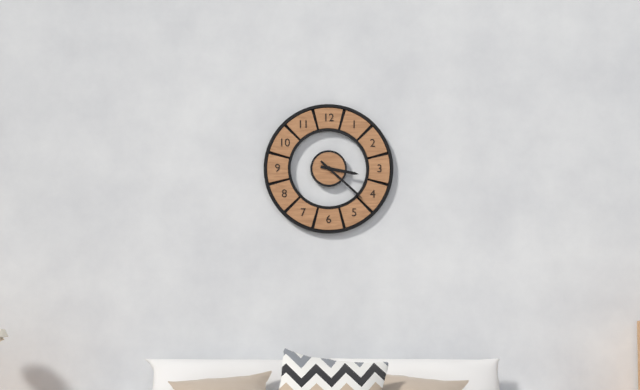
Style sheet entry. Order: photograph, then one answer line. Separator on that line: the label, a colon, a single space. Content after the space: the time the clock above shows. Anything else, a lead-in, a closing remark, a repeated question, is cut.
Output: 3:22
